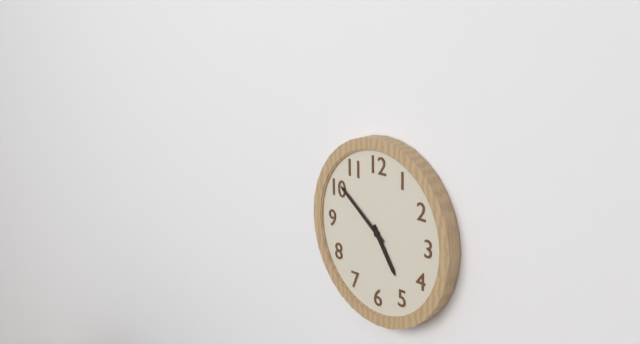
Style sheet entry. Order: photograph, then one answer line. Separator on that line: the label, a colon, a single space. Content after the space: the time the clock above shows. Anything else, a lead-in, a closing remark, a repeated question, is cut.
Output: 4:51
